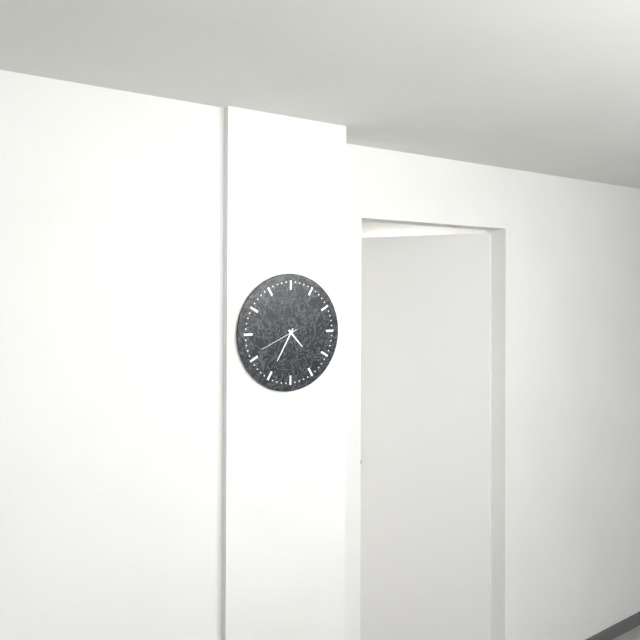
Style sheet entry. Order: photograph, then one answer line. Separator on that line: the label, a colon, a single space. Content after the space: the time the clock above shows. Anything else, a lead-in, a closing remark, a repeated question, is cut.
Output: 4:35
